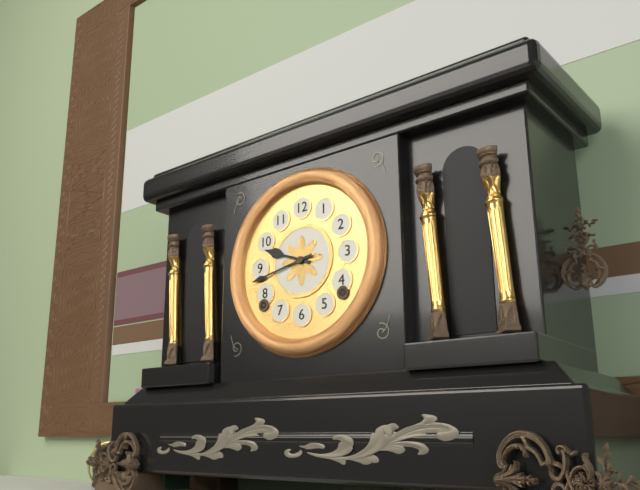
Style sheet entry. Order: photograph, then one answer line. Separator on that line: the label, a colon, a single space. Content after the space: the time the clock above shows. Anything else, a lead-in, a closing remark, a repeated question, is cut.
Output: 9:43
